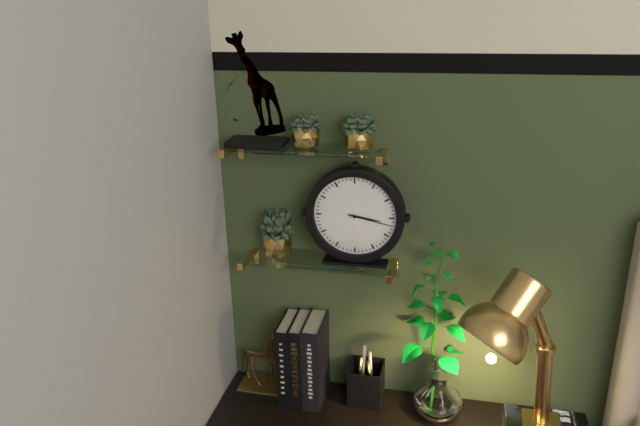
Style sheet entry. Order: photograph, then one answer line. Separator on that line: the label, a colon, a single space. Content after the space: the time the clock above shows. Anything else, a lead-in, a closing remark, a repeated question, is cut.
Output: 3:17
